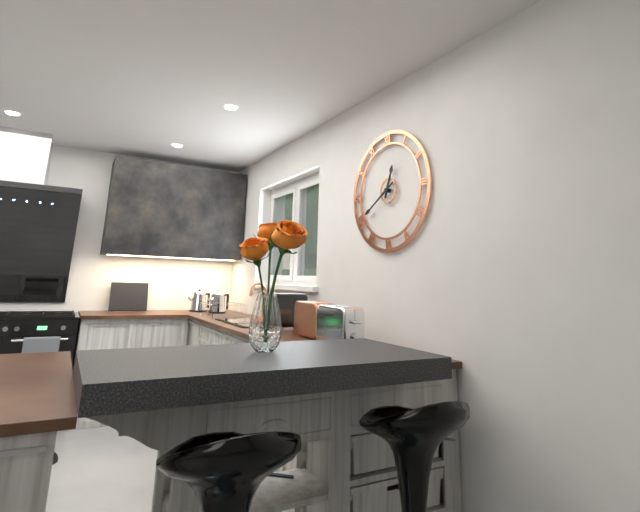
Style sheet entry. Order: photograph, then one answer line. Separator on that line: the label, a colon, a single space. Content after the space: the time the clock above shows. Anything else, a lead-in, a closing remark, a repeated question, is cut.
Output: 12:40
